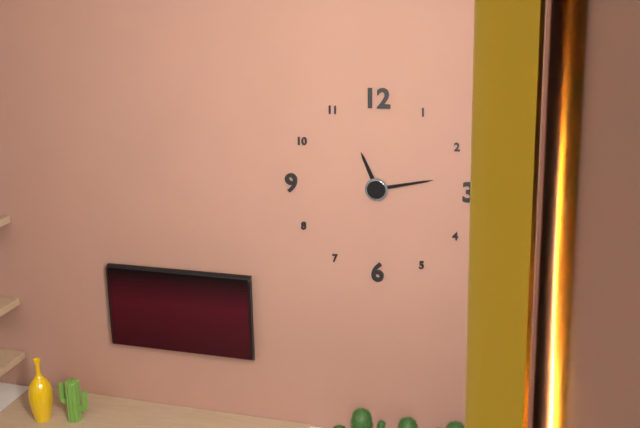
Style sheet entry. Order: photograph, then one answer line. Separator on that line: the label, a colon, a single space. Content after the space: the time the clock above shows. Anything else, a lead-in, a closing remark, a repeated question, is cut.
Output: 11:13
